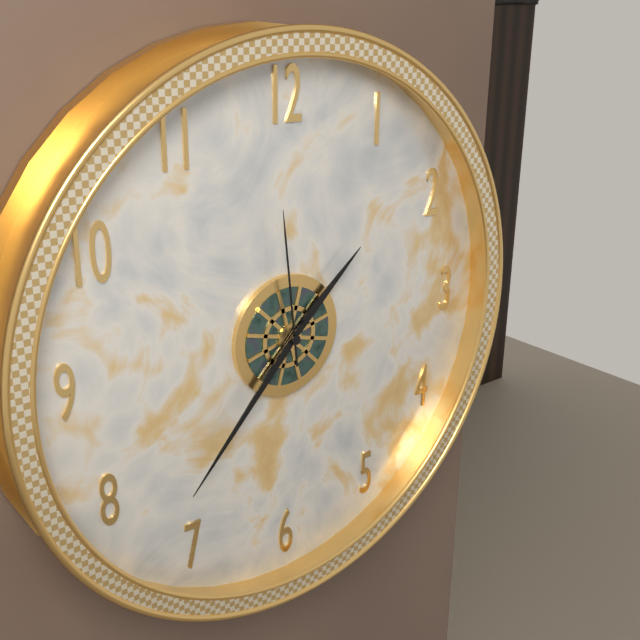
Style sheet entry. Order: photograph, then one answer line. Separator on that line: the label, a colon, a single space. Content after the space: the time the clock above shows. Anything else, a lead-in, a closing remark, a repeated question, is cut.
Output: 1:37:59
